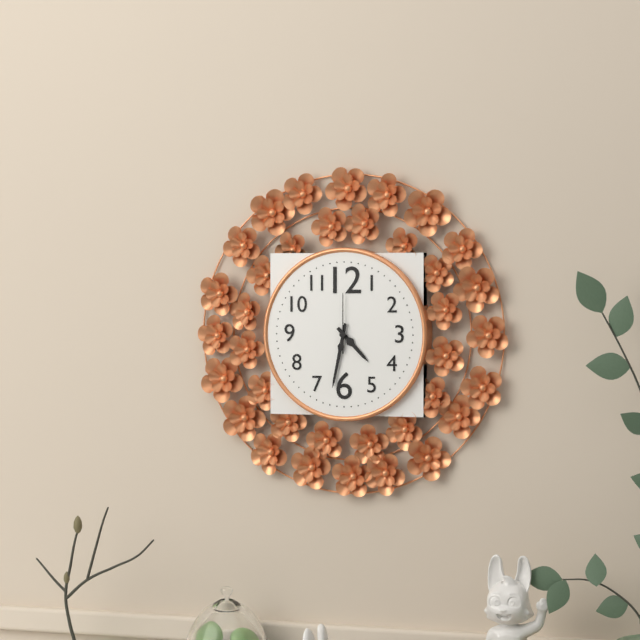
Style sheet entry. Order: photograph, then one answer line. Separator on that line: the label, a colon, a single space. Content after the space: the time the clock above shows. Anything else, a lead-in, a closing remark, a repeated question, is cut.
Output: 4:32:00
